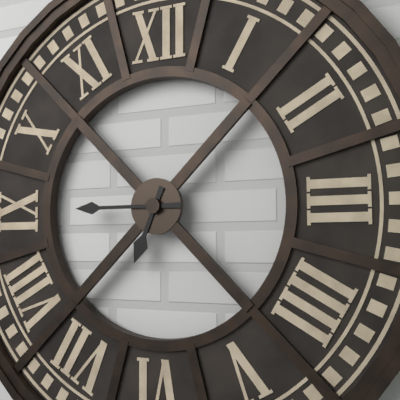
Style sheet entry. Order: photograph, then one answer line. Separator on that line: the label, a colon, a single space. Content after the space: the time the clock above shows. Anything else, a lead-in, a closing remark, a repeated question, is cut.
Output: 6:45
